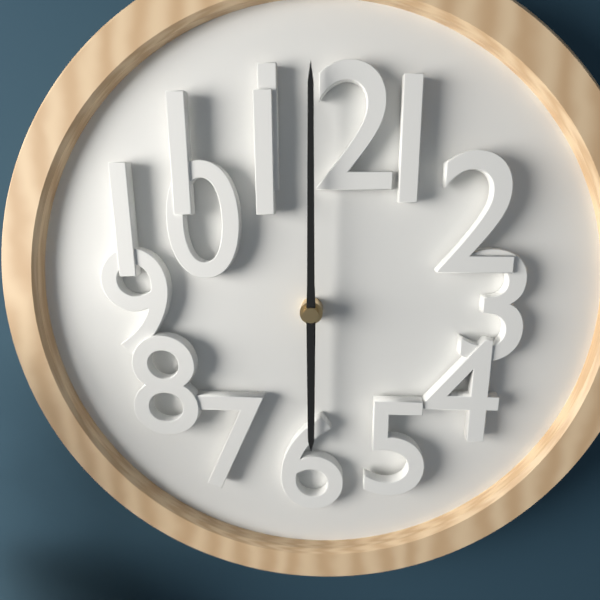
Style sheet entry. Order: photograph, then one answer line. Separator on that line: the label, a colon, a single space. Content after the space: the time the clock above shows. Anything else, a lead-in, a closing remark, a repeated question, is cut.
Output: 6:00
